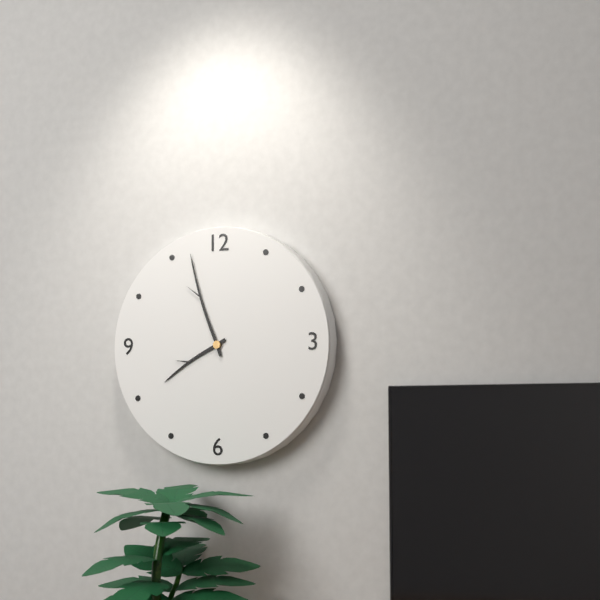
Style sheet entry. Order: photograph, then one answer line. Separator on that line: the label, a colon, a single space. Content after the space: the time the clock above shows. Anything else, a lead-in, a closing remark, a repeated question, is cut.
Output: 7:57
